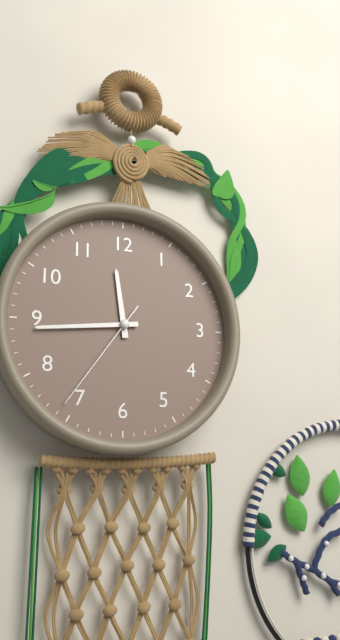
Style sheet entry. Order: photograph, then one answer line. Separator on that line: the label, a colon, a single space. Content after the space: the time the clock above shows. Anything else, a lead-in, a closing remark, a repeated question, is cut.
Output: 11:44:36
